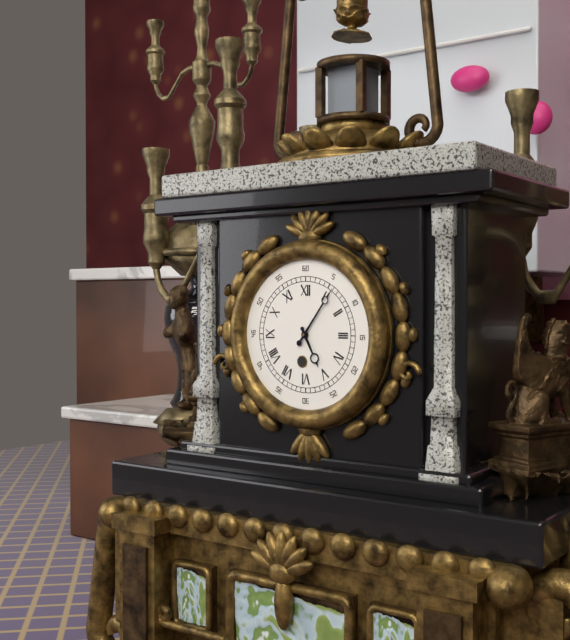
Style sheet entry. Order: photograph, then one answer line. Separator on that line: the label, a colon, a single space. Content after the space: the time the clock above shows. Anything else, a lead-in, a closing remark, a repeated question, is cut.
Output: 5:06
